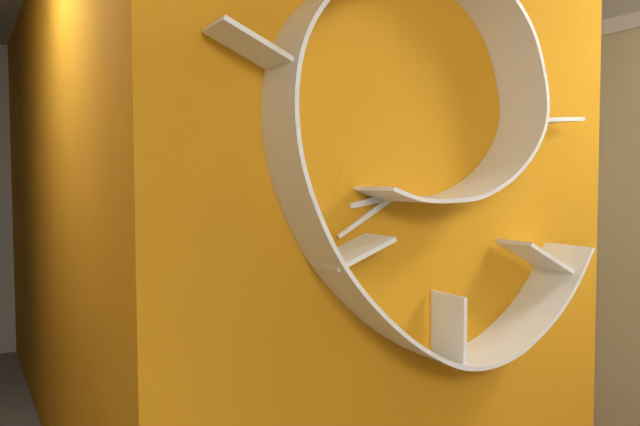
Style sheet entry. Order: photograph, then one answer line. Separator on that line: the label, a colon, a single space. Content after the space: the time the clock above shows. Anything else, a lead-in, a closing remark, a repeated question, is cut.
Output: 8:40
